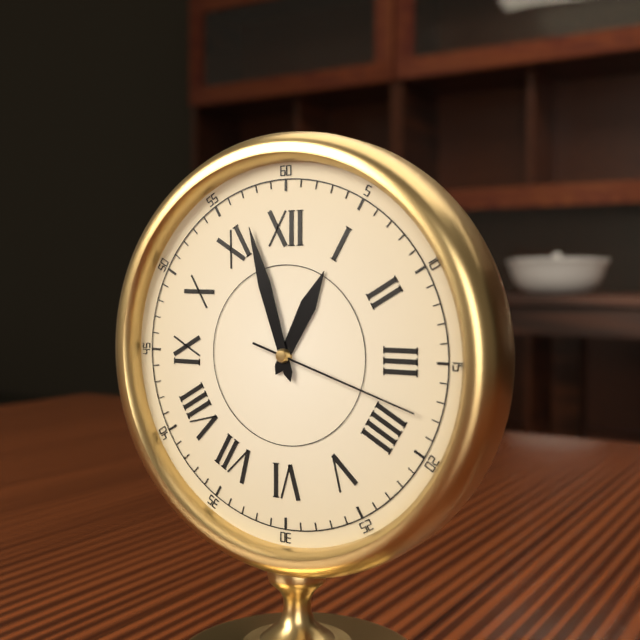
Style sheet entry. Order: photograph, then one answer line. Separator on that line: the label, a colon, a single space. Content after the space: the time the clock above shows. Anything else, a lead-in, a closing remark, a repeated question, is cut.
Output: 12:57:18
